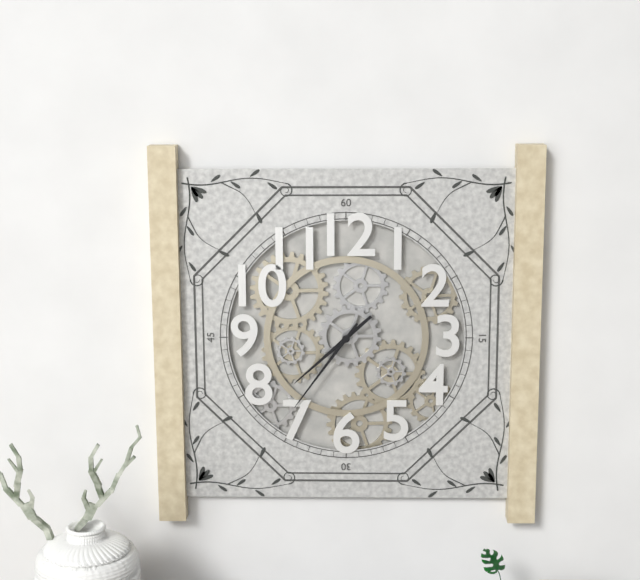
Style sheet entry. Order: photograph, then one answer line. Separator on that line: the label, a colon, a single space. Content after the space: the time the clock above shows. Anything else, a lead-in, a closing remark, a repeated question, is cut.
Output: 7:36
